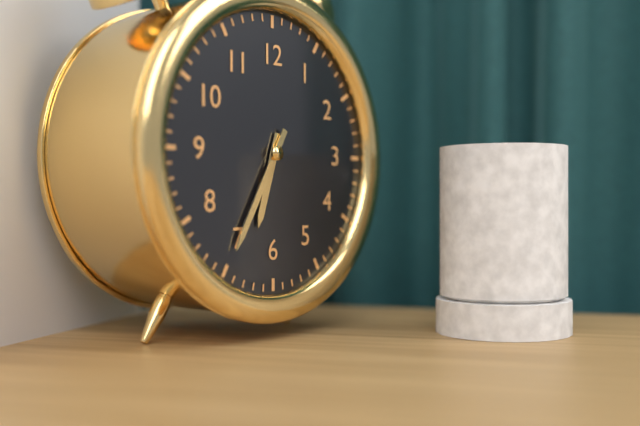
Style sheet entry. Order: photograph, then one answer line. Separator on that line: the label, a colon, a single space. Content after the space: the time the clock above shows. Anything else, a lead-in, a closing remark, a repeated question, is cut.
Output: 6:35
